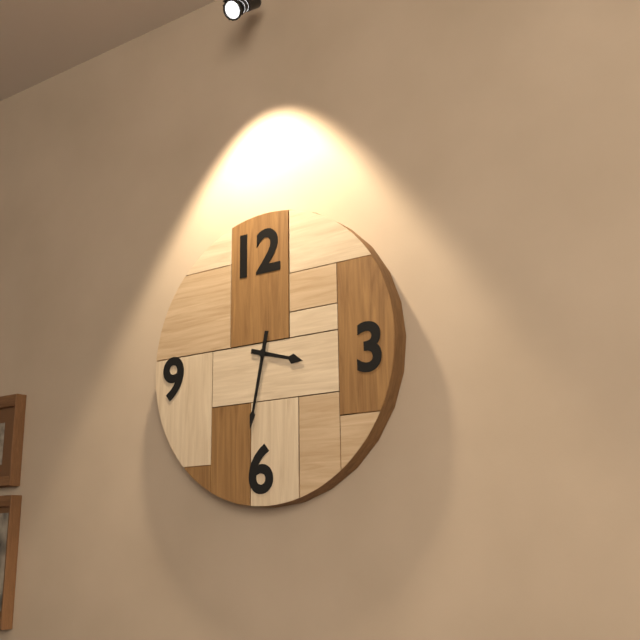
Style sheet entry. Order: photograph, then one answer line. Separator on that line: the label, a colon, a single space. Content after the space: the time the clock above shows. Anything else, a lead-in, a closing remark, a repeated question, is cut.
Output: 3:32
